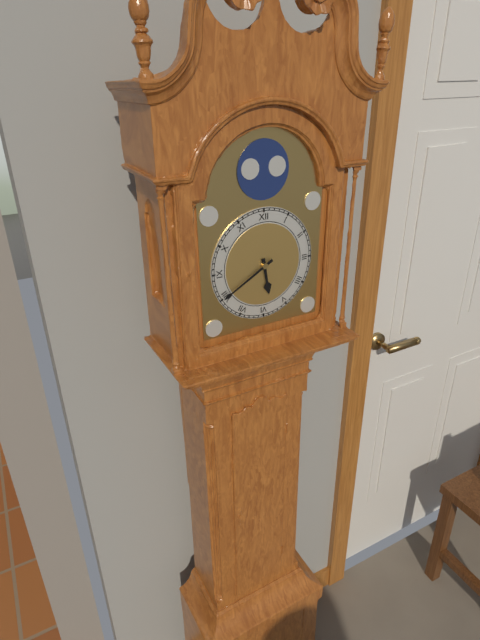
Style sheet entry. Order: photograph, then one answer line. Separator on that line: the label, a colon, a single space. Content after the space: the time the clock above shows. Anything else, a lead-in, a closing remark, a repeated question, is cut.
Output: 5:40
